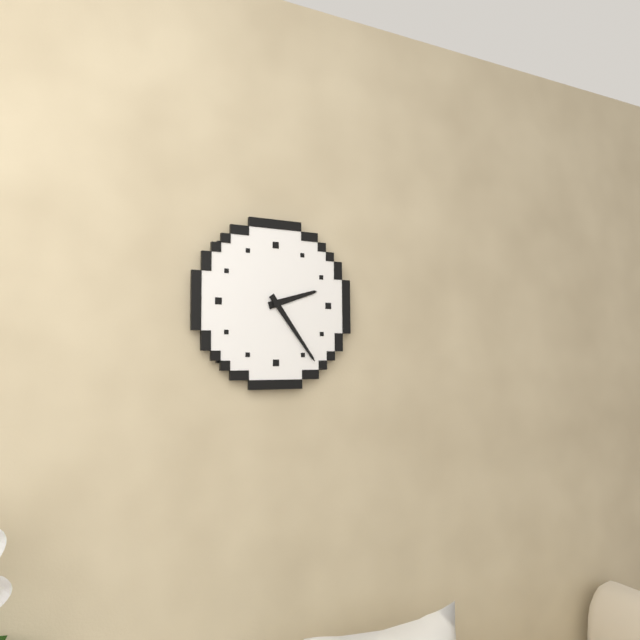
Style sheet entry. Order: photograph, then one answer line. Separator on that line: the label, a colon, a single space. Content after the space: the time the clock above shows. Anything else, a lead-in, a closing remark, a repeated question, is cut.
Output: 2:24
